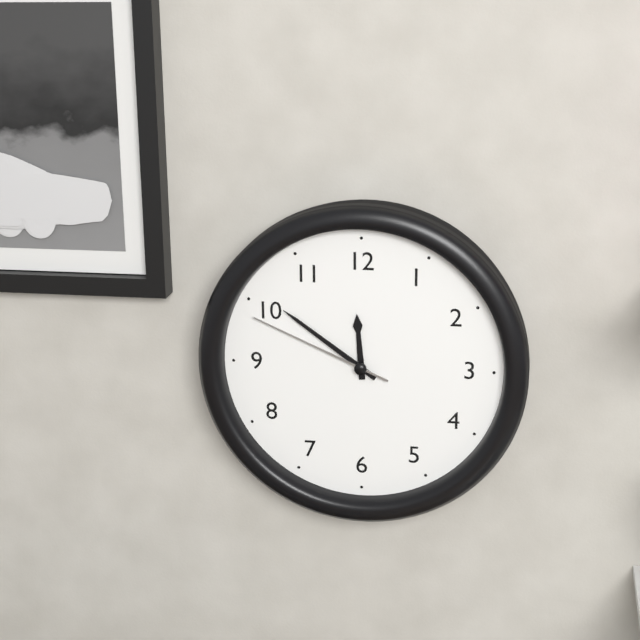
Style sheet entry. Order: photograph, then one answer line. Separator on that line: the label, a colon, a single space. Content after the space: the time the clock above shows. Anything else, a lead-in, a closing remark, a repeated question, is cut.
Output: 11:51:49
